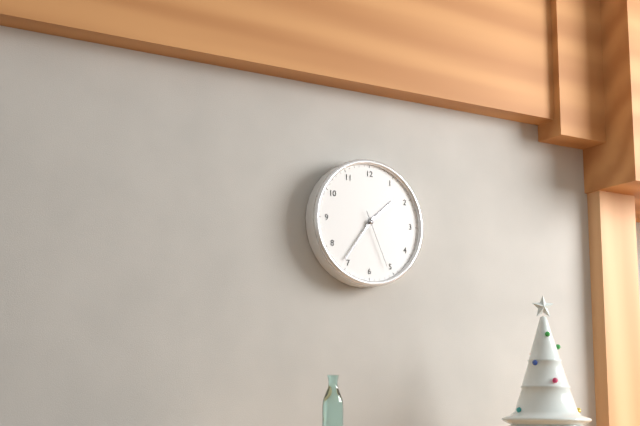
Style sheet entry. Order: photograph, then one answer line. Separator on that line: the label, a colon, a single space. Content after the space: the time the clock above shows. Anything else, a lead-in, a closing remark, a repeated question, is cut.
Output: 1:36:26
